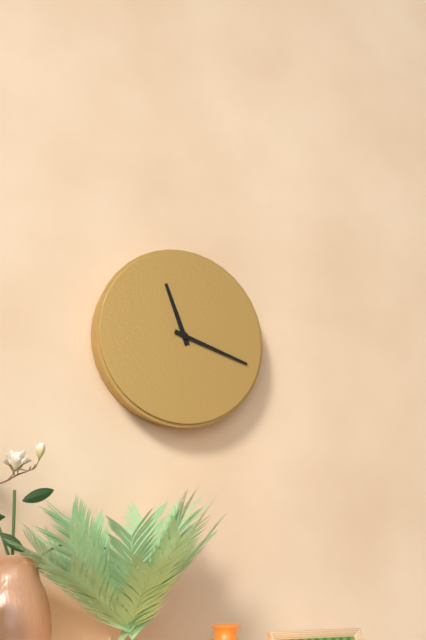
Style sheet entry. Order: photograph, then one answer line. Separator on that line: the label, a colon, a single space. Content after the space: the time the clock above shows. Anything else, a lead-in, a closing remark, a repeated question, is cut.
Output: 11:18
